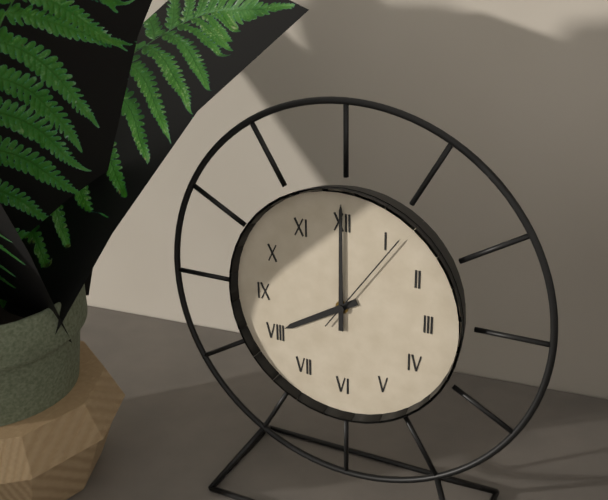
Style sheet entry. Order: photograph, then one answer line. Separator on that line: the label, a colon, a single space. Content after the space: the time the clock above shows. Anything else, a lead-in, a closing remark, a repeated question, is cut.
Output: 8:00:06
